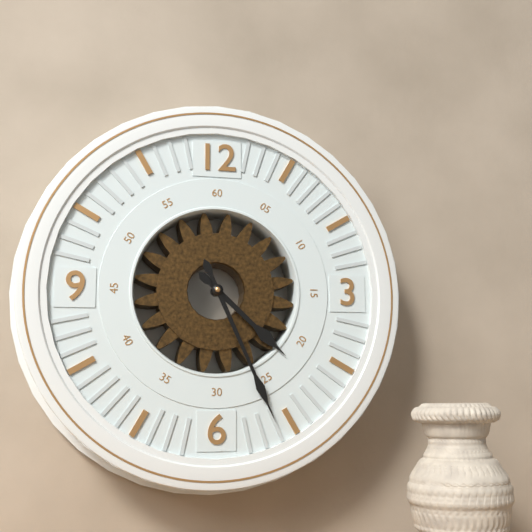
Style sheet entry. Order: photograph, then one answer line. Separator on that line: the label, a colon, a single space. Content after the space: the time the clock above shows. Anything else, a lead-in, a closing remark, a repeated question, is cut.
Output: 4:26
